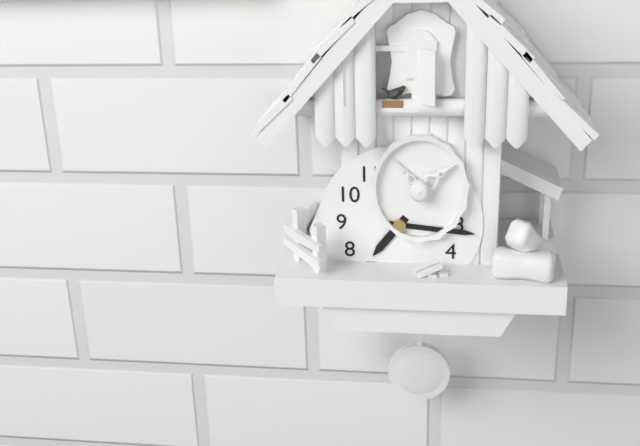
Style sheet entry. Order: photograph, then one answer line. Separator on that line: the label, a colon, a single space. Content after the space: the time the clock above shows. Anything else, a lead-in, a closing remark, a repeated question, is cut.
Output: 7:16
